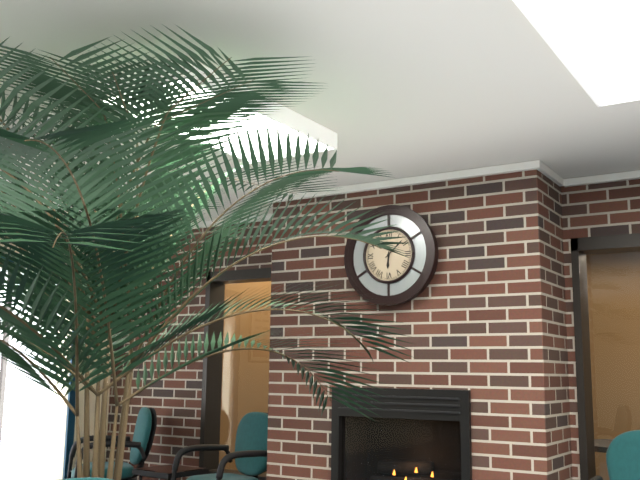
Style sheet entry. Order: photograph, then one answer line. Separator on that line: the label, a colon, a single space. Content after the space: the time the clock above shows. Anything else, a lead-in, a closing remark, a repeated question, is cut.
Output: 6:08
